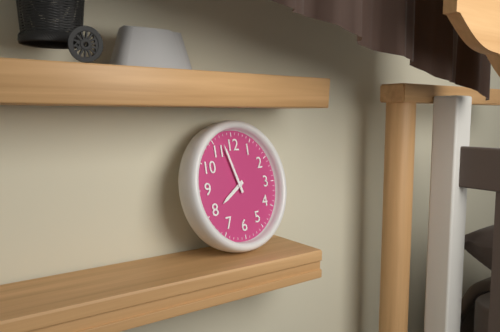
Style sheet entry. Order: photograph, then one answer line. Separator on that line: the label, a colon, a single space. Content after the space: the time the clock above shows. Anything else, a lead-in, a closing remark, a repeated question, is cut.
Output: 7:57
